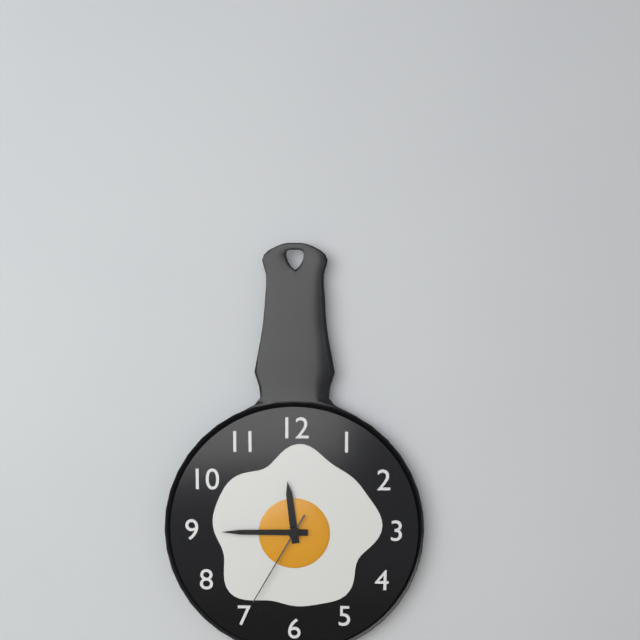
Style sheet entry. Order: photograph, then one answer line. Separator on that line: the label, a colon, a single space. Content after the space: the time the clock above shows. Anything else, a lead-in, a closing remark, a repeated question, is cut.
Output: 11:45:35
